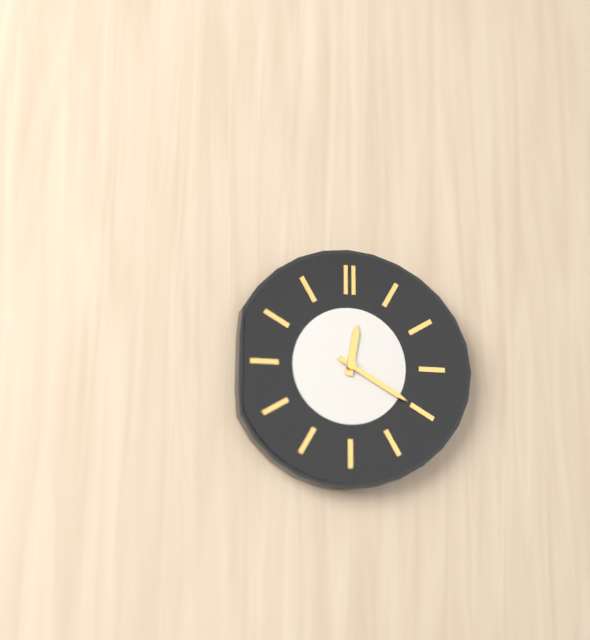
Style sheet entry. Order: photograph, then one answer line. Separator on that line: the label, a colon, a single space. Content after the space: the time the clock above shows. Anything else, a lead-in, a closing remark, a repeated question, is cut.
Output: 12:20
